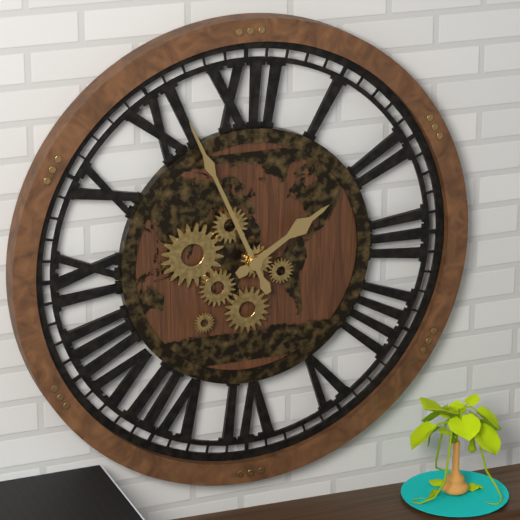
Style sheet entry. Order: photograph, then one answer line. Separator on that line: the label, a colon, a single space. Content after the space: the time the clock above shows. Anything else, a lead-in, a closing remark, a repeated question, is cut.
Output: 1:56
